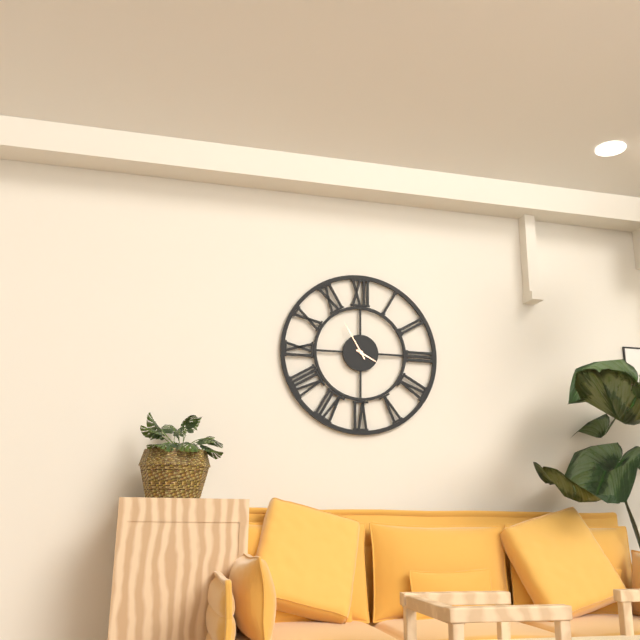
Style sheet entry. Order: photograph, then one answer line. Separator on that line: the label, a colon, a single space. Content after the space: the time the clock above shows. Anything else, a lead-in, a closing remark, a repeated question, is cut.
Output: 3:55
